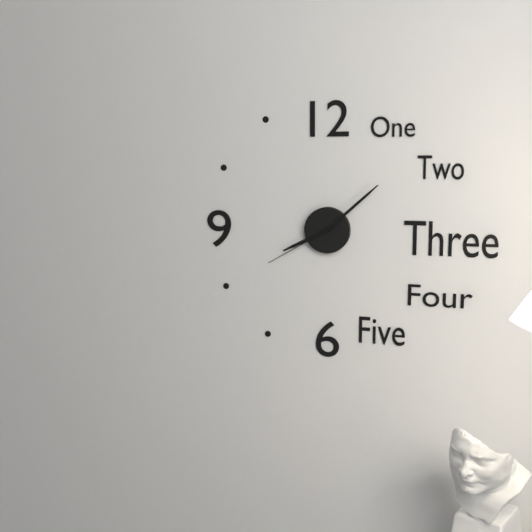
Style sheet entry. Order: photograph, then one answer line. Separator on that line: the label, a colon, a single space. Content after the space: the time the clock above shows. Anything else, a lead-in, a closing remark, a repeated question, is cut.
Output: 8:08:40
